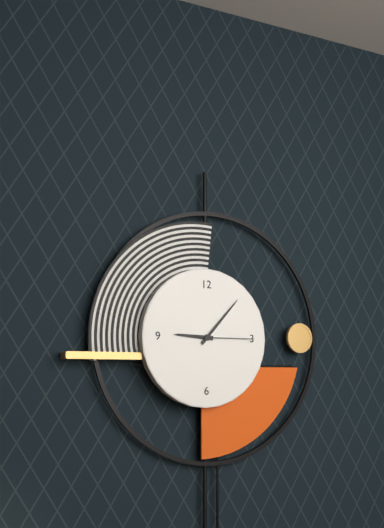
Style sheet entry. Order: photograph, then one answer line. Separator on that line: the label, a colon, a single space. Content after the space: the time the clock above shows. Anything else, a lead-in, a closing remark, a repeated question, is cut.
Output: 9:07:15
